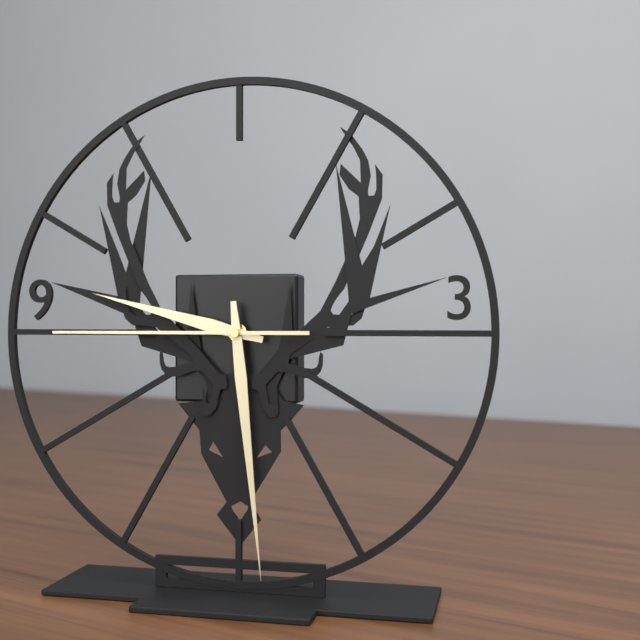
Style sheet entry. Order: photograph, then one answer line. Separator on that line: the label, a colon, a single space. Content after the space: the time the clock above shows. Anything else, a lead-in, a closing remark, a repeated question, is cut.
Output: 9:29:45
